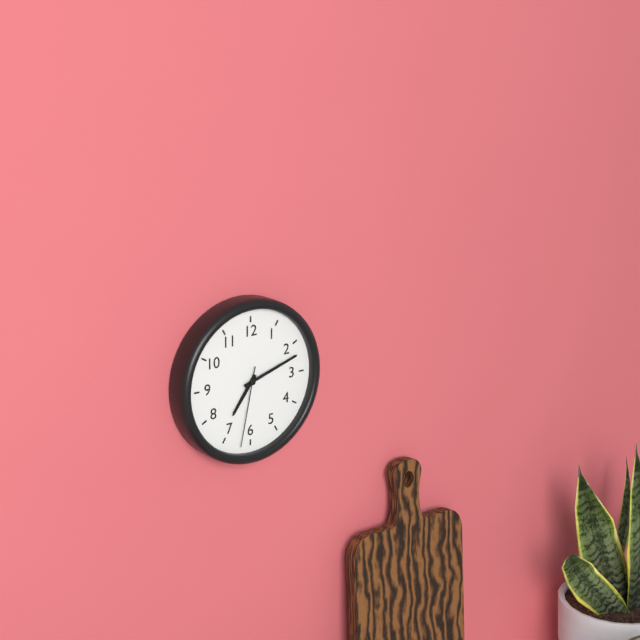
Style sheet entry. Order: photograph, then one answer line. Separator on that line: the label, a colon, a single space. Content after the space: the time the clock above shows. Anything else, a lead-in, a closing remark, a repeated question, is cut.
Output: 7:12:32
